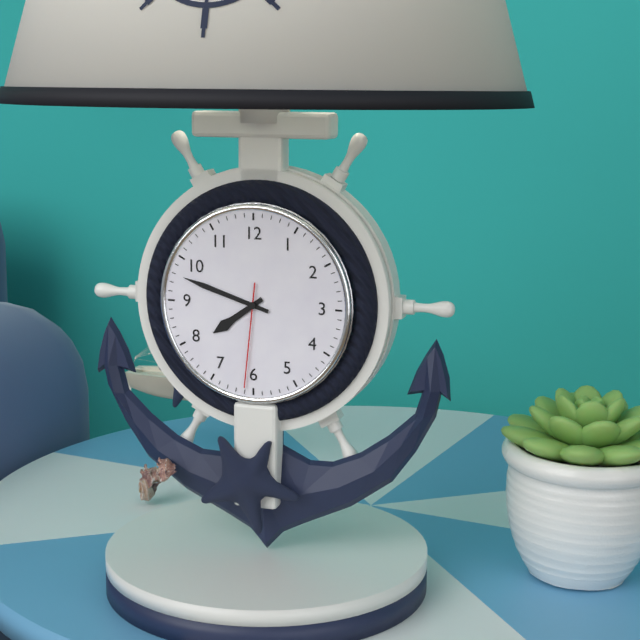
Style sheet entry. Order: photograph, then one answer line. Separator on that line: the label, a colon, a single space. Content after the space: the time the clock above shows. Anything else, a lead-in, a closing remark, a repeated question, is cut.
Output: 7:48:31
